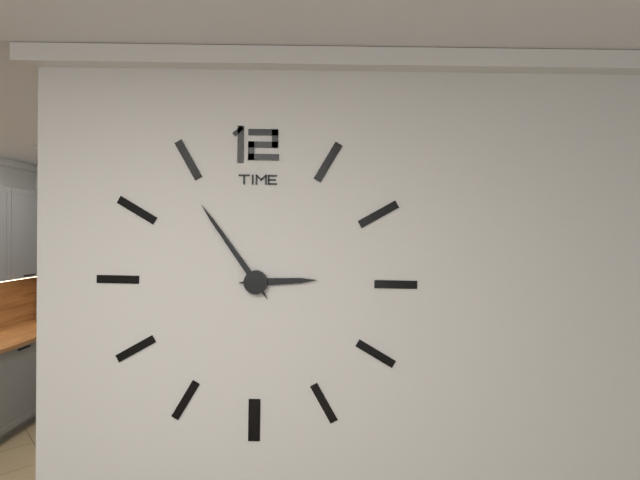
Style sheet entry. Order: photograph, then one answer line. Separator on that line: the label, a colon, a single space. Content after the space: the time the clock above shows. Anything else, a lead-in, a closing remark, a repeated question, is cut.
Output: 2:54
